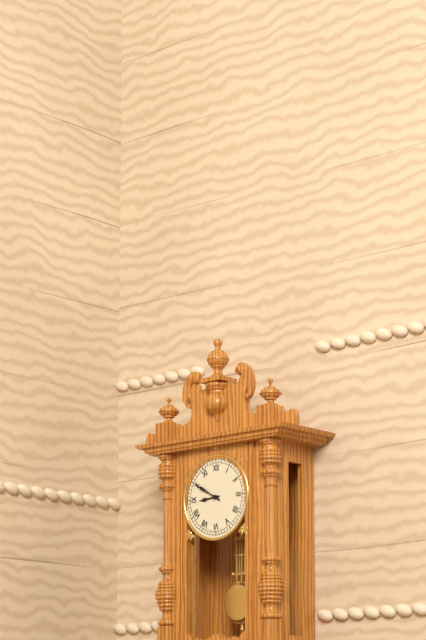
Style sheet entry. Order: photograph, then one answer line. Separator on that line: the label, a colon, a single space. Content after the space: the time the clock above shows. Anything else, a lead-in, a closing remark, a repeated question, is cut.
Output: 8:50
